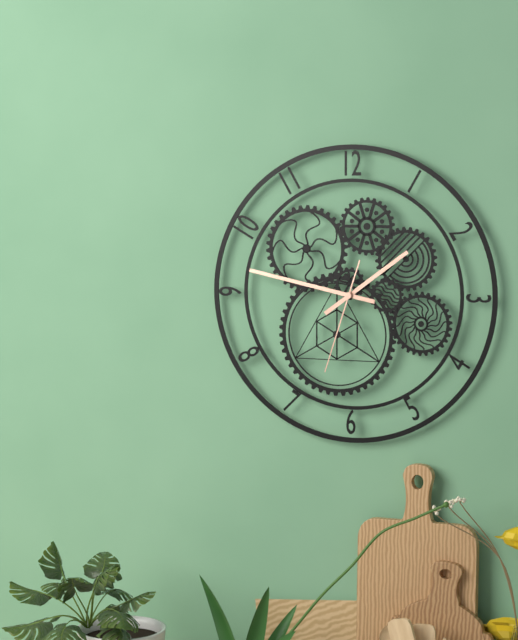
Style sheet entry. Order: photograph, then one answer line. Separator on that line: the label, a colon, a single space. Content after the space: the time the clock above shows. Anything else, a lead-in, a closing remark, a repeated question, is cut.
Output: 1:47:33
